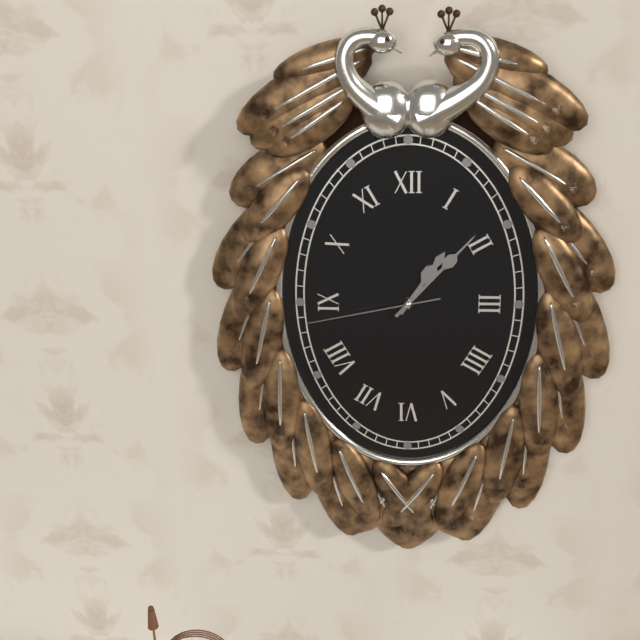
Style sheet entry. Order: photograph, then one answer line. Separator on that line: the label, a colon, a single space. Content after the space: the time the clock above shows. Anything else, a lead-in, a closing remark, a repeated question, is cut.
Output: 1:07:43
